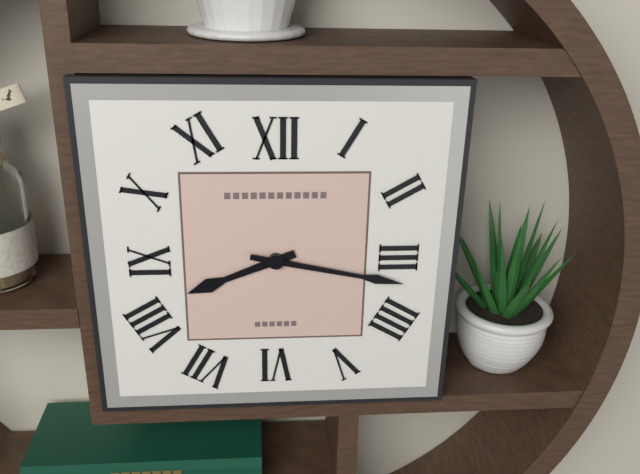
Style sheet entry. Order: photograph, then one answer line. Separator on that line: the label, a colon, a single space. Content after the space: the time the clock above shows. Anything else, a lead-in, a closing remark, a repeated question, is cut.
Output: 8:17
